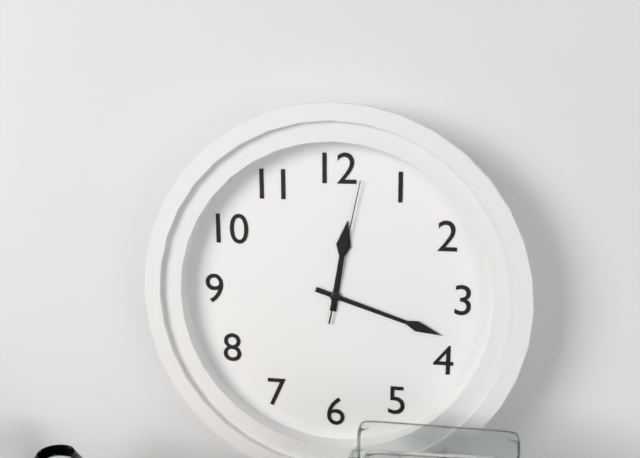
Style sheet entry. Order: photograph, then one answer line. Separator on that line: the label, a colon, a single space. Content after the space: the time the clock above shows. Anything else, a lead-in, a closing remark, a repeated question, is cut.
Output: 12:18:02
